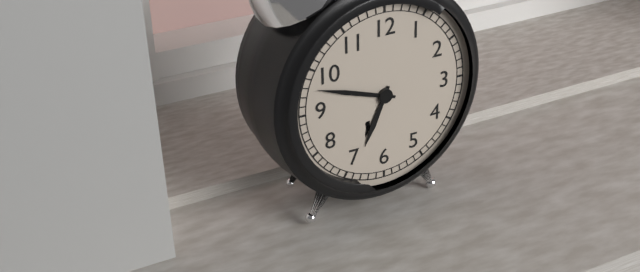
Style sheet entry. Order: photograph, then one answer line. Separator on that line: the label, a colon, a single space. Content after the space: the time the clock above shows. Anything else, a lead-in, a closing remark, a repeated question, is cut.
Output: 6:48
